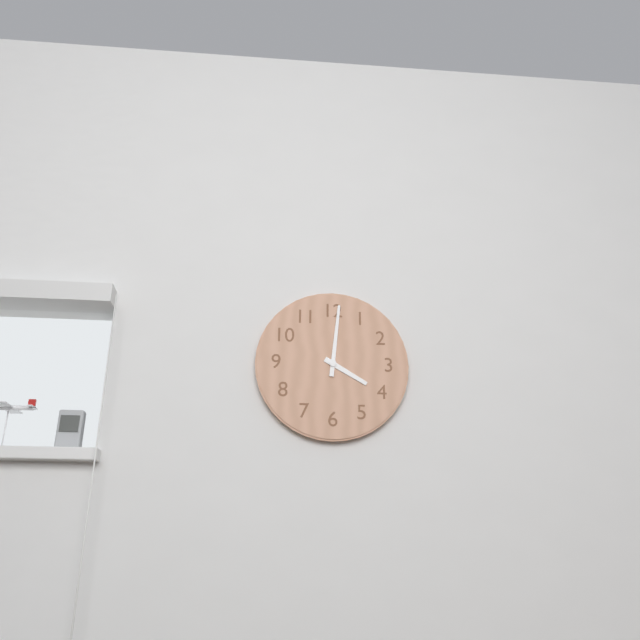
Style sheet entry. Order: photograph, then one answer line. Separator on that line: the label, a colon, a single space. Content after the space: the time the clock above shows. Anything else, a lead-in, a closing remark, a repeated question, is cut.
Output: 4:01
